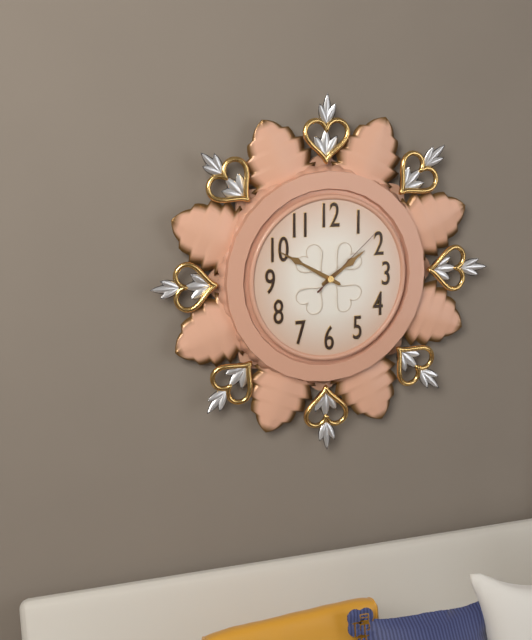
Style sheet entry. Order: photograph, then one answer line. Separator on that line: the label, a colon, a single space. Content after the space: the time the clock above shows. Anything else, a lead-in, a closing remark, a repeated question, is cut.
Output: 1:50:08
